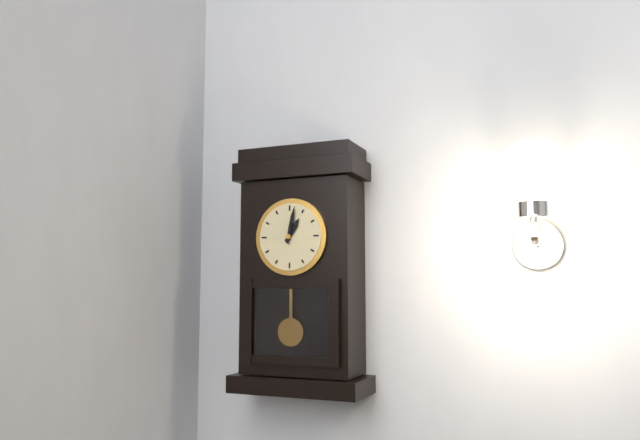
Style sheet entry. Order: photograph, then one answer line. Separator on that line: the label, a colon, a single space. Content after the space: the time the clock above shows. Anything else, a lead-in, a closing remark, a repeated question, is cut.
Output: 1:02
